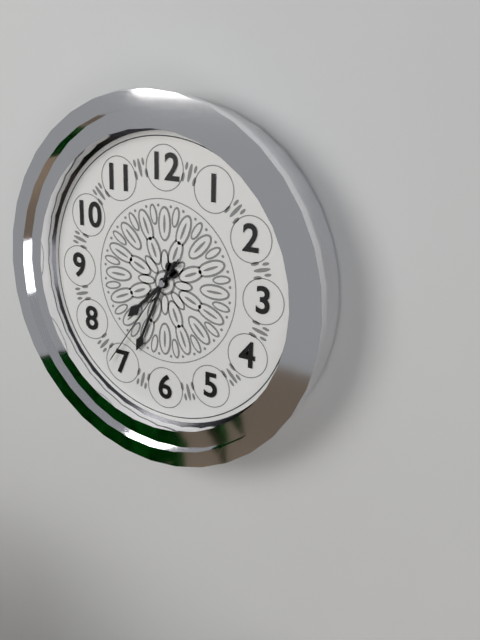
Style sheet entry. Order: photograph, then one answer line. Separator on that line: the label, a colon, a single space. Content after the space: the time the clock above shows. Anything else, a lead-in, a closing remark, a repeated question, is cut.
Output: 7:34:36
